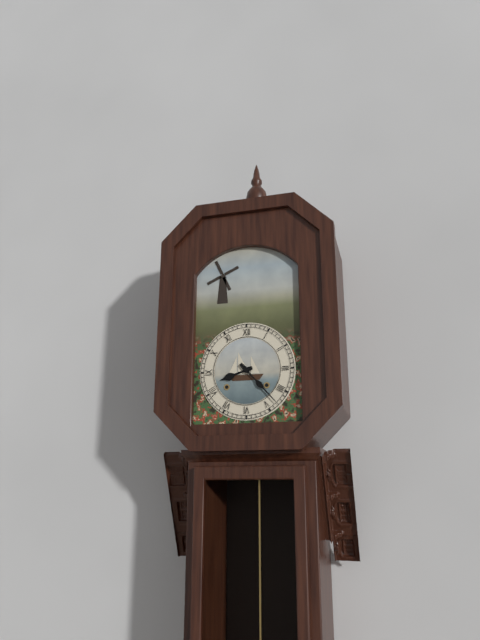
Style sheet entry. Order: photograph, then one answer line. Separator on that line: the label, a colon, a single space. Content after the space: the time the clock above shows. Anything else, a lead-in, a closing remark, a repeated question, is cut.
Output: 8:23
